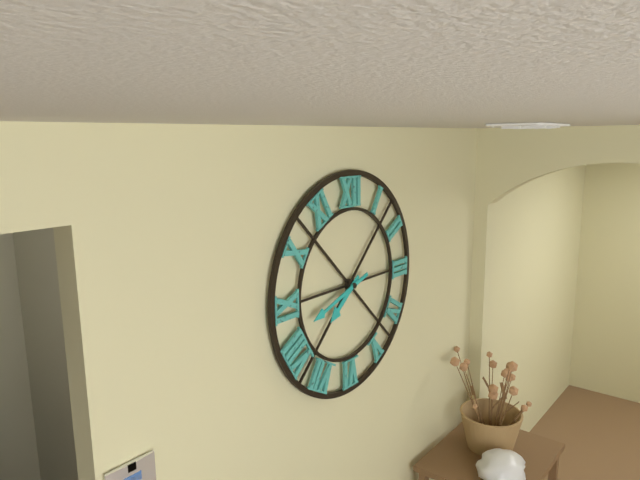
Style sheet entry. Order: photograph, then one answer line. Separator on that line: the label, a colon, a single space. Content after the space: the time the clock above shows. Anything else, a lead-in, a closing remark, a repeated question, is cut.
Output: 7:42
